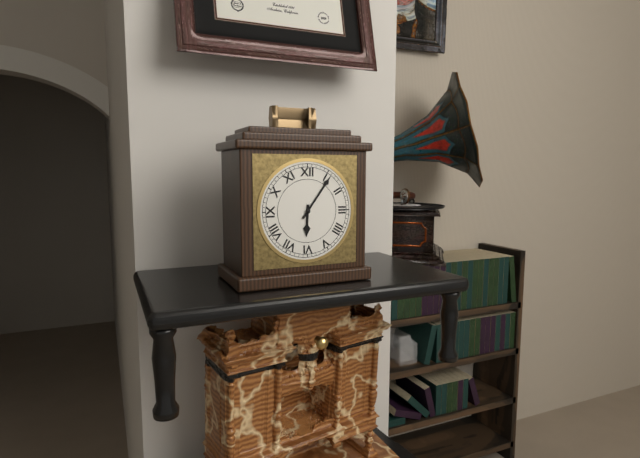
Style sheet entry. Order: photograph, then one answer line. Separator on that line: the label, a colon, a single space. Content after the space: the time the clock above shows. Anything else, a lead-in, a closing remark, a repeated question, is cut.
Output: 6:06
